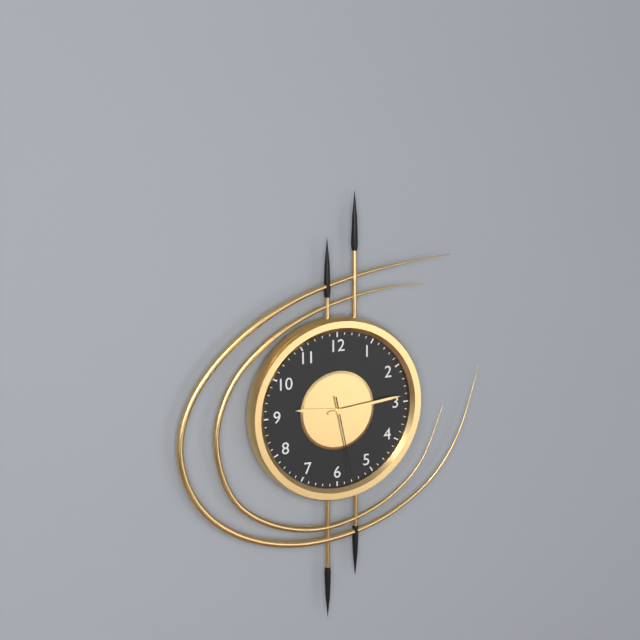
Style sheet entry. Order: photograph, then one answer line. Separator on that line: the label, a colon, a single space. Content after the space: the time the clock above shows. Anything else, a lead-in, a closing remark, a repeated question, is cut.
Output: 9:14:28
